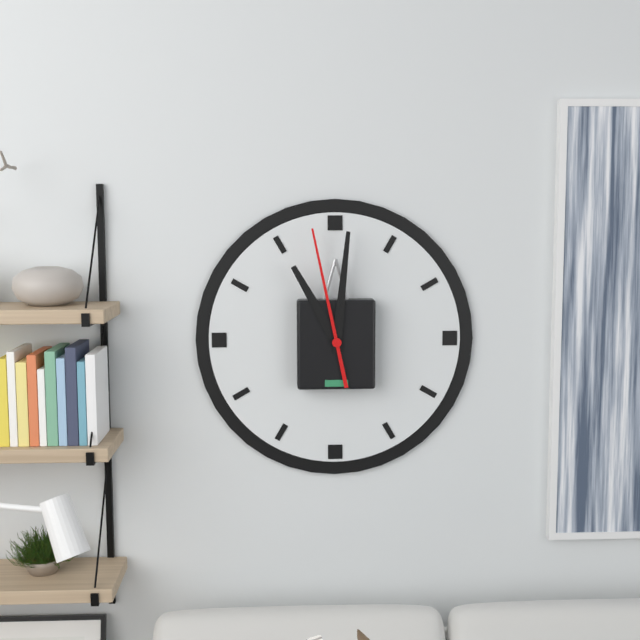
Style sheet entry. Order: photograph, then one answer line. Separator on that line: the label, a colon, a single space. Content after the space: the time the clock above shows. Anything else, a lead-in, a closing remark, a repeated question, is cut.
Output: 11:01:58
